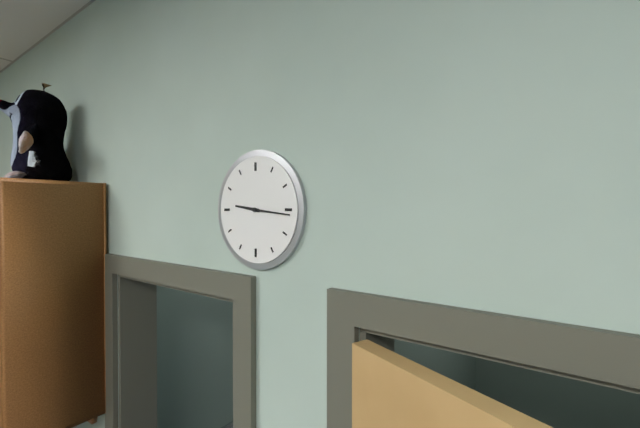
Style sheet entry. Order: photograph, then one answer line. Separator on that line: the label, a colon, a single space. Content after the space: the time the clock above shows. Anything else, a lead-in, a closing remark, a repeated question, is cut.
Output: 9:16
